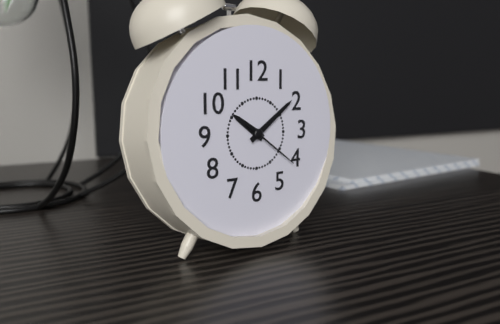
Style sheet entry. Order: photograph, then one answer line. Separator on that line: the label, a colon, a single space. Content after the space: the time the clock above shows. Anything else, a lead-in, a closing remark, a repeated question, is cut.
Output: 10:09:21
